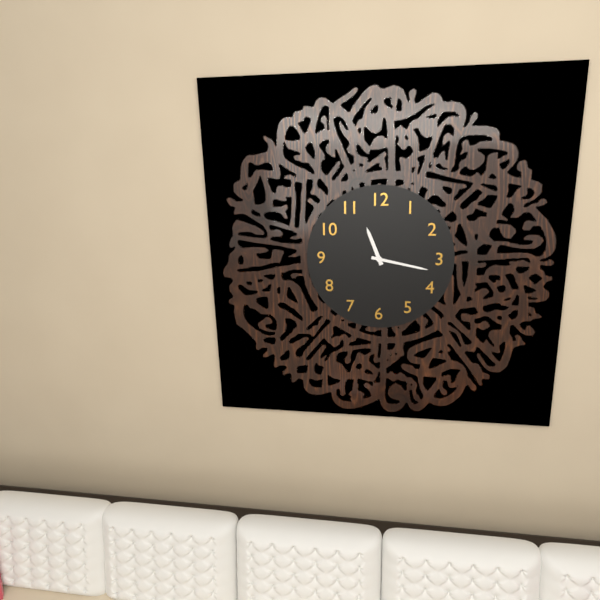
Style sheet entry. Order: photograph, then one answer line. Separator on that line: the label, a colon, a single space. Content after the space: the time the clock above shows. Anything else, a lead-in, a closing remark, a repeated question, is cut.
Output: 11:17
